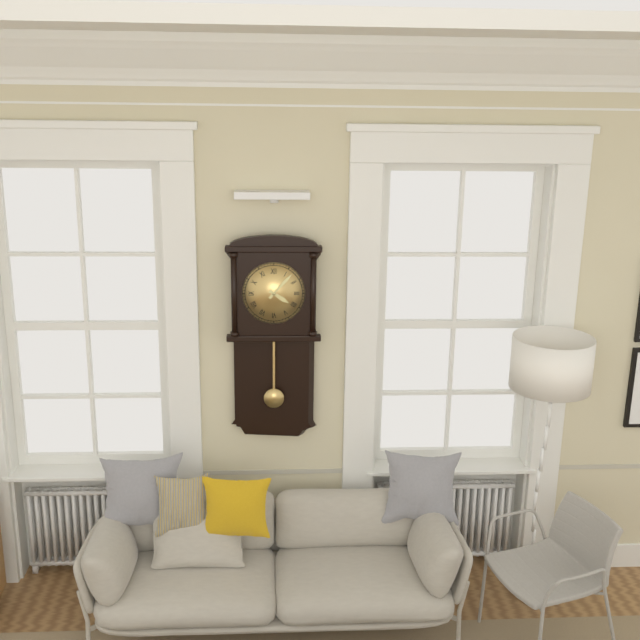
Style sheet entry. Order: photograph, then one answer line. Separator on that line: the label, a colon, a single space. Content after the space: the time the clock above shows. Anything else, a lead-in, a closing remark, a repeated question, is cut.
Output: 4:07
